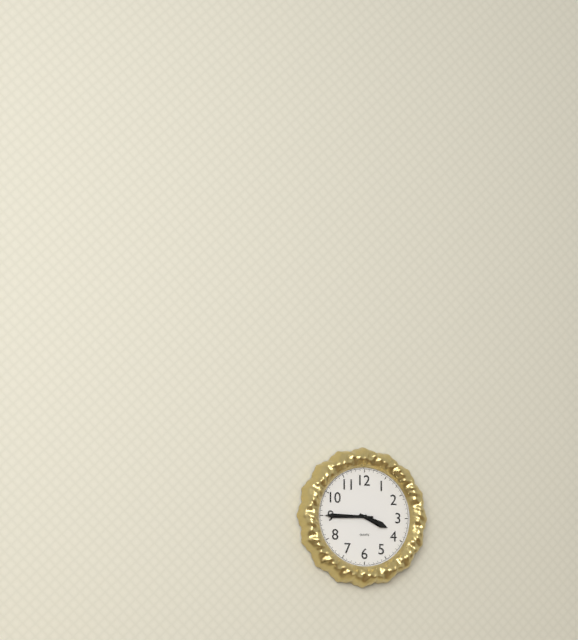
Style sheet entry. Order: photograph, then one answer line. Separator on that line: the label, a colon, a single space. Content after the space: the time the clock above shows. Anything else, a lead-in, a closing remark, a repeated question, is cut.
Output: 3:45
